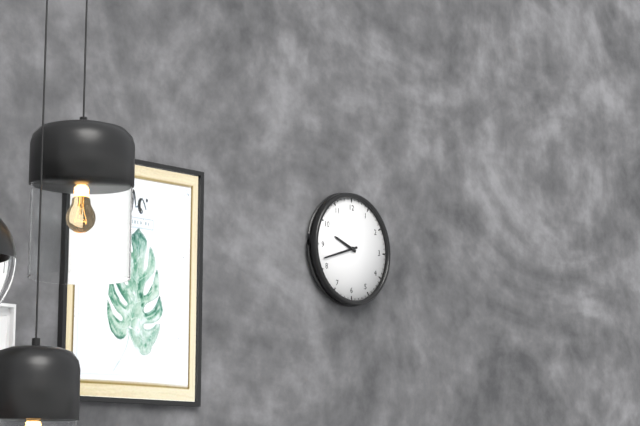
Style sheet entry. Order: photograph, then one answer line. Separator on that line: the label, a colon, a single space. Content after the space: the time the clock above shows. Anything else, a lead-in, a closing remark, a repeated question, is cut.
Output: 9:42
